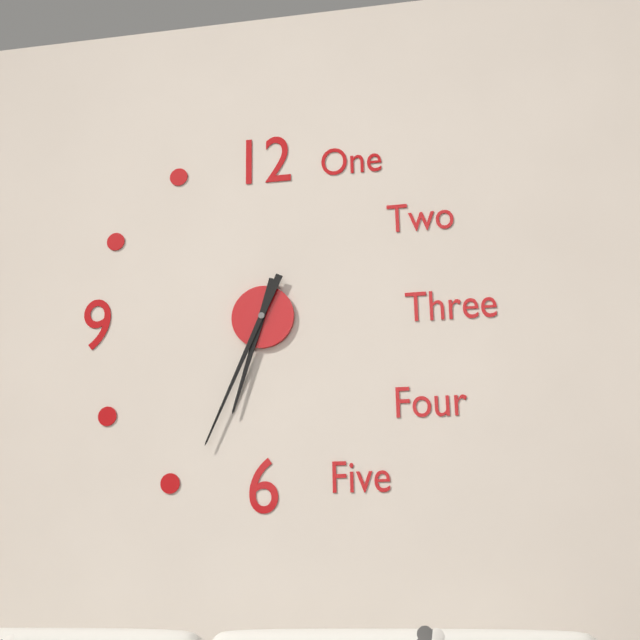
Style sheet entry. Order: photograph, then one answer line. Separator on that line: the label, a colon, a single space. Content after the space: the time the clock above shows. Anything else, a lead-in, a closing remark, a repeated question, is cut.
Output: 6:34
